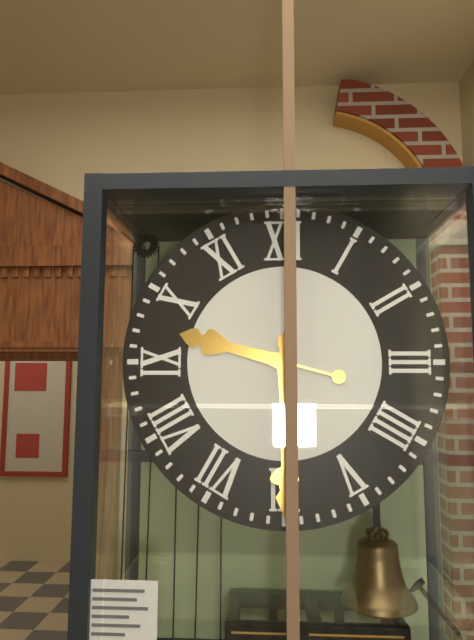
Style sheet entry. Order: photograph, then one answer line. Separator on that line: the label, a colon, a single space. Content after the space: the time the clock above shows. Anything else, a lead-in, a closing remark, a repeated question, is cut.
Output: 9:30
